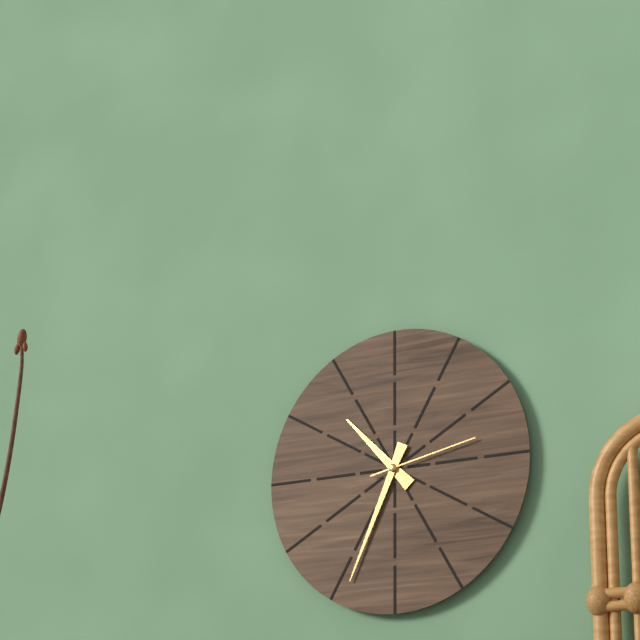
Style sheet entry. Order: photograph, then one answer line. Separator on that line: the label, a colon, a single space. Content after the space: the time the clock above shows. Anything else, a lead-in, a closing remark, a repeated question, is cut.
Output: 10:34:13
